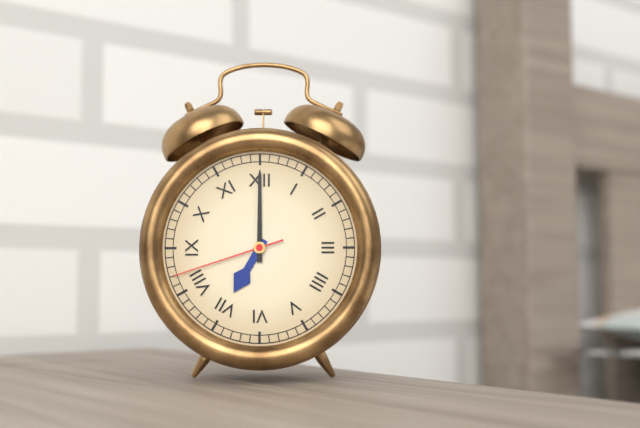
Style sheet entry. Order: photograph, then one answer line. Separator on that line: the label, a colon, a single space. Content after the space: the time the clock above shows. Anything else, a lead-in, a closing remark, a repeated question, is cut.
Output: 7:00:42
